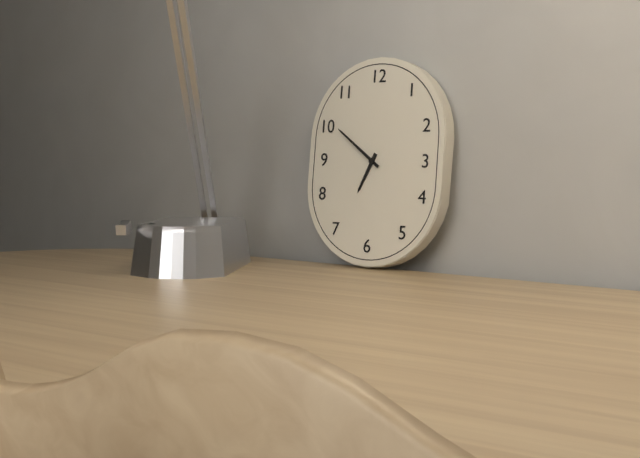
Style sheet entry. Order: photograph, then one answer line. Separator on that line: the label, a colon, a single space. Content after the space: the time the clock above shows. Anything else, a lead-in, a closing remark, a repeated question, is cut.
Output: 6:51
